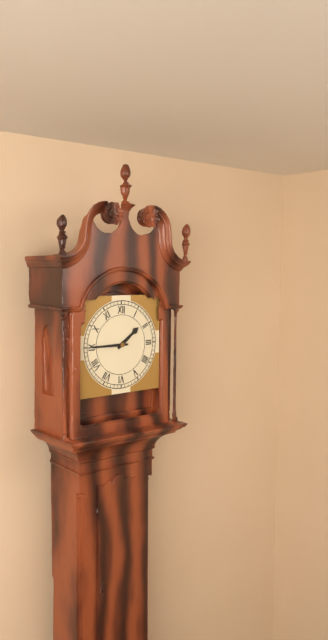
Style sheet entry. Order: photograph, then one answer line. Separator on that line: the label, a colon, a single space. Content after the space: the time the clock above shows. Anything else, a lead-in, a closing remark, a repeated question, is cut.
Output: 1:45
